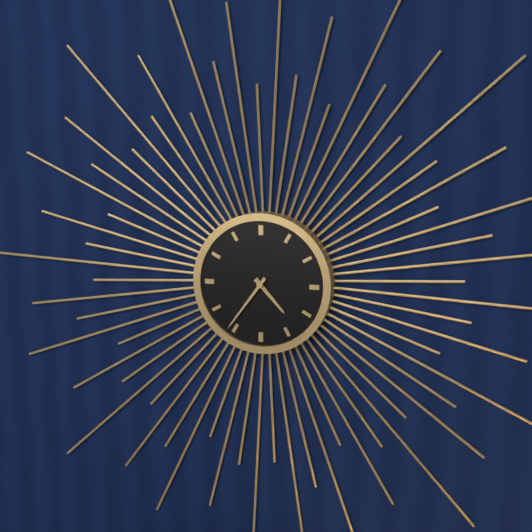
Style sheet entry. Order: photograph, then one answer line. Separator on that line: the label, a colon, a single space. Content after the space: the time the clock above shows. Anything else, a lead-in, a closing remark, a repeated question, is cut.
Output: 4:36
